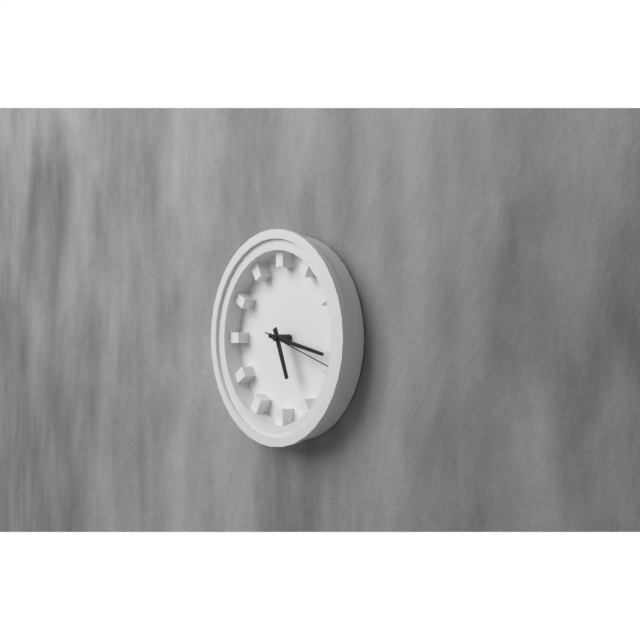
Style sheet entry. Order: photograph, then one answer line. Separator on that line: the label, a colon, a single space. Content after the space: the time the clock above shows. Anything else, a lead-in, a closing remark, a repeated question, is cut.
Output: 5:17:18
